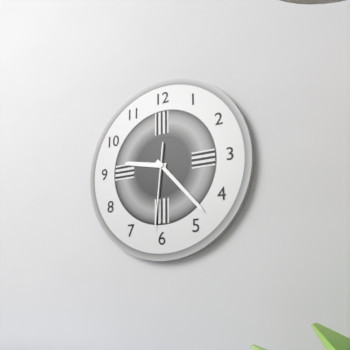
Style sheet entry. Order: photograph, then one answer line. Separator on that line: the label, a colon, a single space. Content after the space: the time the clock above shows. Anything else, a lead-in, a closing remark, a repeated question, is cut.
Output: 9:23:31
